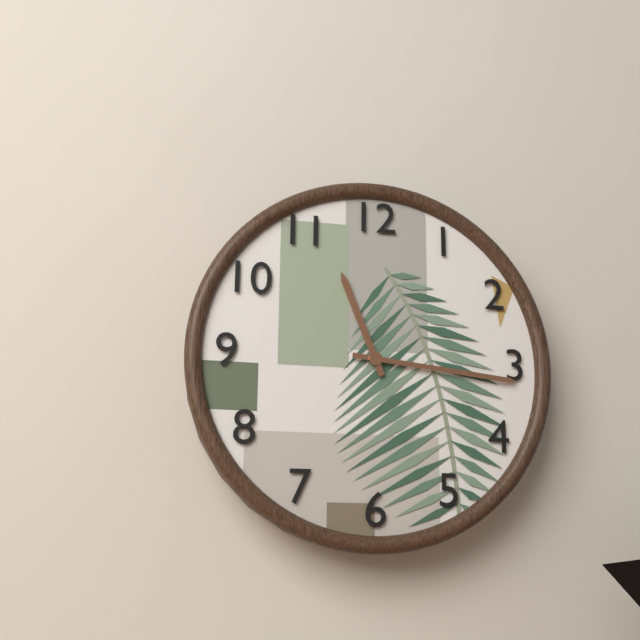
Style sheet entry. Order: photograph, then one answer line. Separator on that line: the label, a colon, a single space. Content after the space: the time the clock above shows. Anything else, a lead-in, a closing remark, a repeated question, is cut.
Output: 11:16
